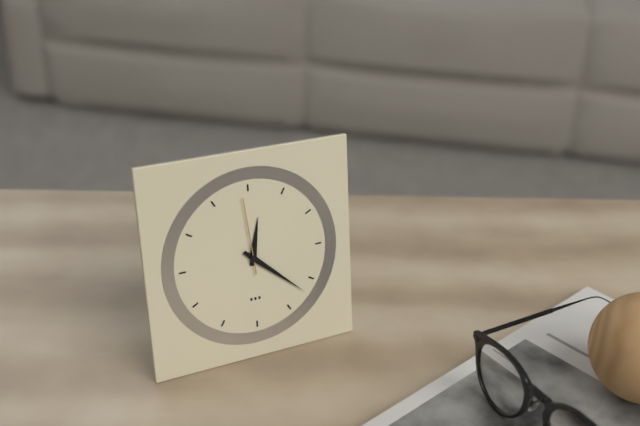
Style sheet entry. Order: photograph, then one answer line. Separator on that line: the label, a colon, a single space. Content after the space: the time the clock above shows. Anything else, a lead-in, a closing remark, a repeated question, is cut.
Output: 12:22:59
